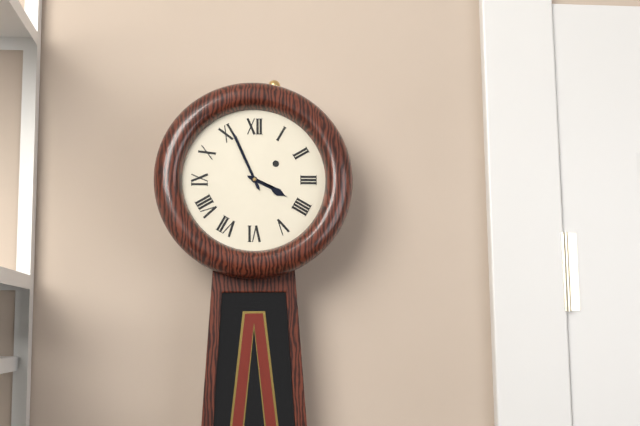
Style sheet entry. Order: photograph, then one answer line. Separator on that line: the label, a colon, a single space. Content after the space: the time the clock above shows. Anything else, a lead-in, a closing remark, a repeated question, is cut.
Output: 3:56
